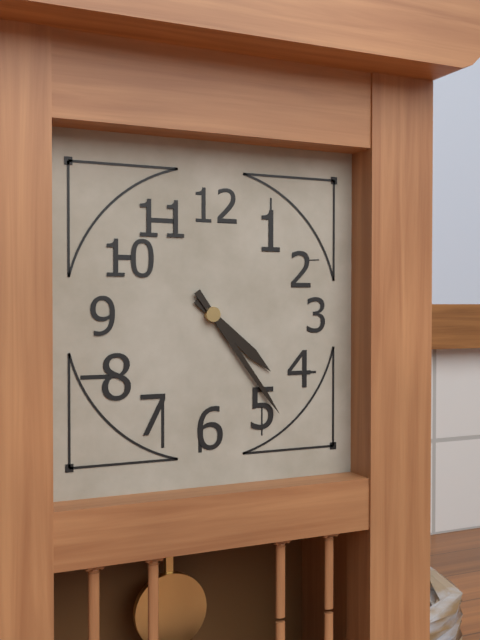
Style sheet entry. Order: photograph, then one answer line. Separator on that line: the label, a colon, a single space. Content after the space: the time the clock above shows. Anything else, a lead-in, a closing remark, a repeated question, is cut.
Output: 4:24
